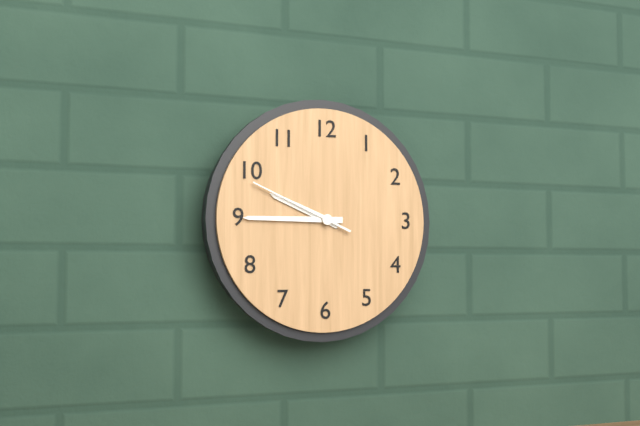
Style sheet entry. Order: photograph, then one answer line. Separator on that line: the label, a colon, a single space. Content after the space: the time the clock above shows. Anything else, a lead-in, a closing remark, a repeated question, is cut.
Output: 9:45:49
